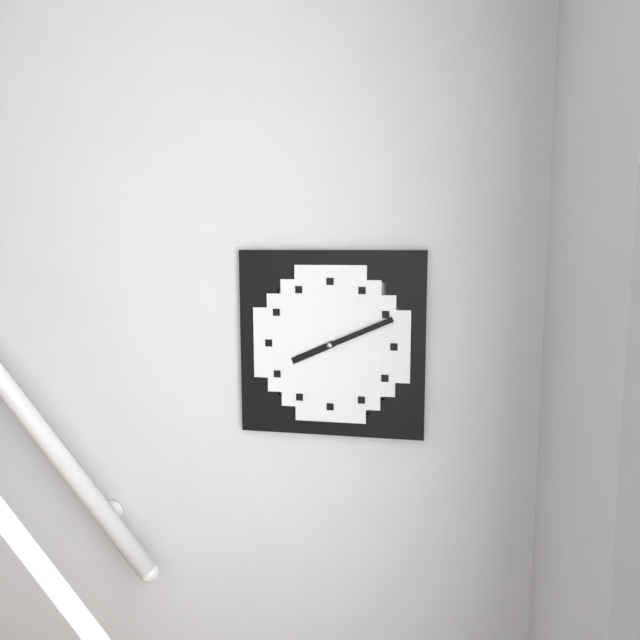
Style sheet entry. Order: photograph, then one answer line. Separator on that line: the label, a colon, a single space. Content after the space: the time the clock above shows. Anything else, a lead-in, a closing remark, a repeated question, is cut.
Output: 8:11
